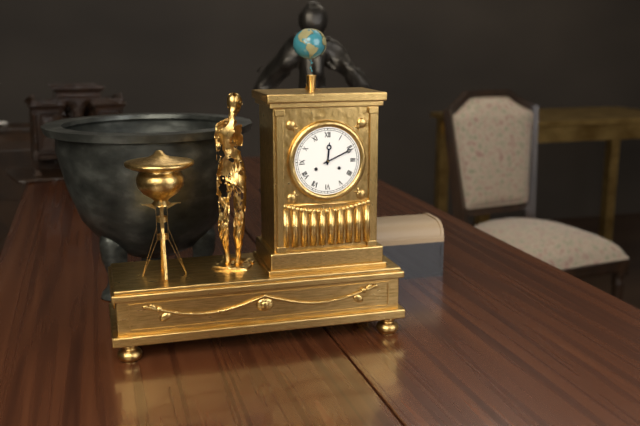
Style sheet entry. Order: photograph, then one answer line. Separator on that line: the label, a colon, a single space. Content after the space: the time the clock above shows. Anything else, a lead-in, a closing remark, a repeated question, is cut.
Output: 12:11
